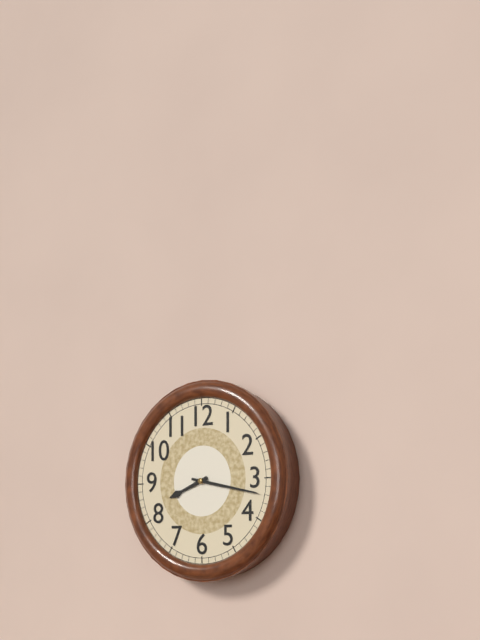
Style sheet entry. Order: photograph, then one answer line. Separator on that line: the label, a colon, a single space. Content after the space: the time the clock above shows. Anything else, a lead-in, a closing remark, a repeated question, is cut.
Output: 8:17
